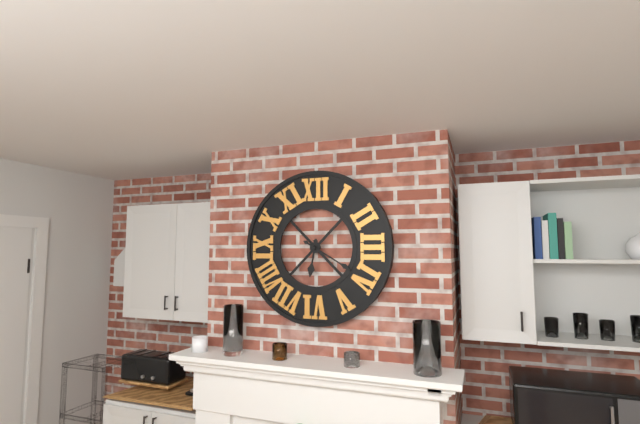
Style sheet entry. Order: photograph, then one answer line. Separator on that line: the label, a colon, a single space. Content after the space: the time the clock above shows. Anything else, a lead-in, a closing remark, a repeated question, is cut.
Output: 6:20
